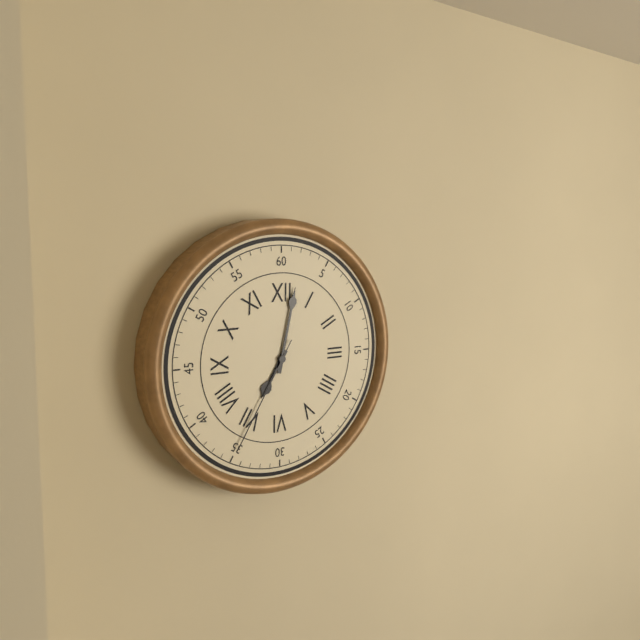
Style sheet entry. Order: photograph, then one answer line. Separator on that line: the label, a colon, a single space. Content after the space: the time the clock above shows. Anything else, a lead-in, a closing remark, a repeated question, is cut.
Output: 7:02:35
